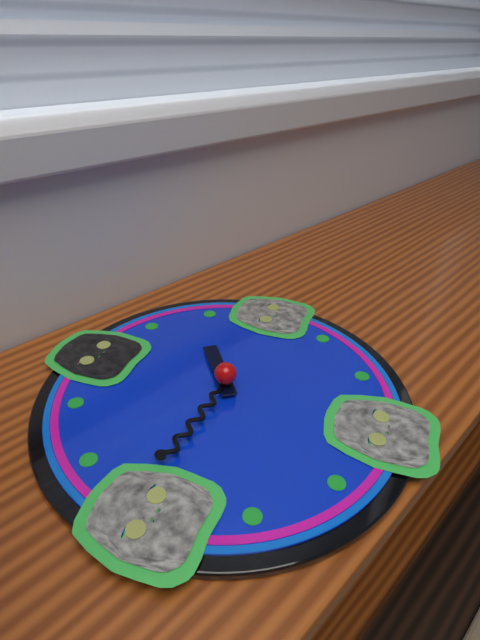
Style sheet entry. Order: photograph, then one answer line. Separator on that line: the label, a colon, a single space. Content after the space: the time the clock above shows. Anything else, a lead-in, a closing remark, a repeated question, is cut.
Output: 1:46
